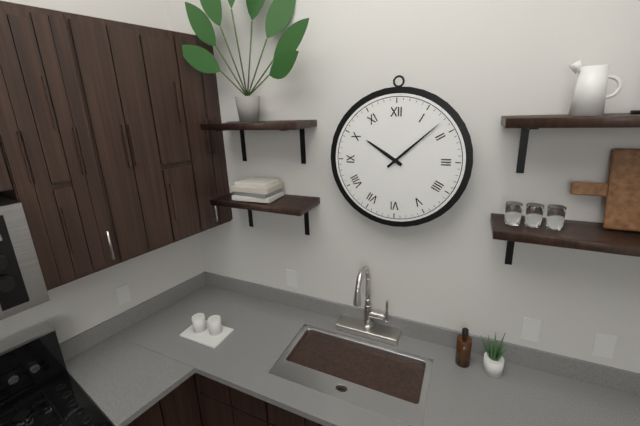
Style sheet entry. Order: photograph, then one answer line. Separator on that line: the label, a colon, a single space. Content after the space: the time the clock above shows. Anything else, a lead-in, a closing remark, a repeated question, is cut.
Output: 10:08
